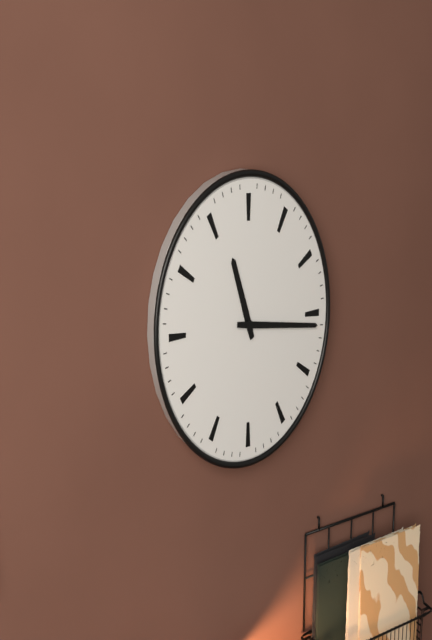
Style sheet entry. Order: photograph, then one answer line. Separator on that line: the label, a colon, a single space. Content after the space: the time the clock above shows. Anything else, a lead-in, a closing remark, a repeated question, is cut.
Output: 11:16
